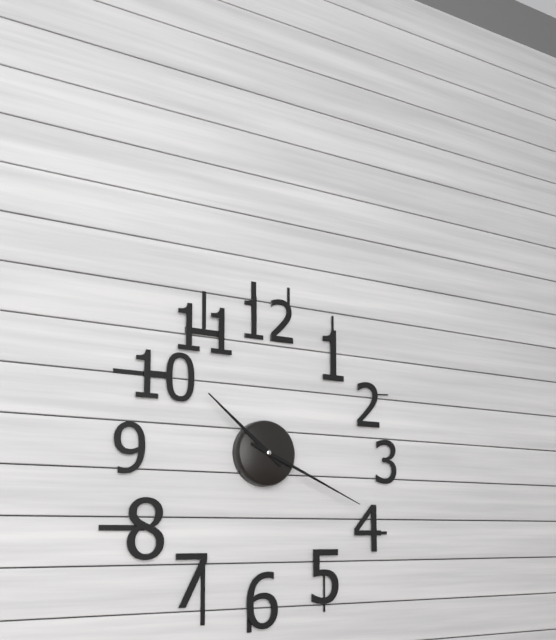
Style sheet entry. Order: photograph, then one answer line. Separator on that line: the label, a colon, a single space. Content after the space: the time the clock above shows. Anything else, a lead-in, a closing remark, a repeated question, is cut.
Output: 10:19
